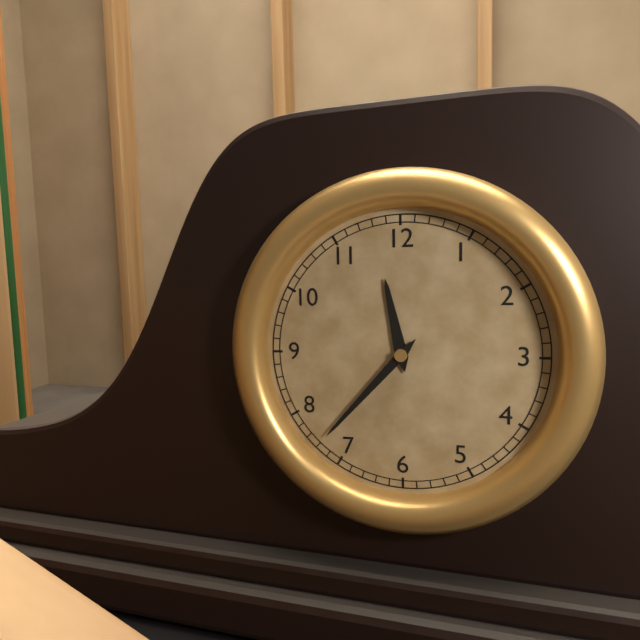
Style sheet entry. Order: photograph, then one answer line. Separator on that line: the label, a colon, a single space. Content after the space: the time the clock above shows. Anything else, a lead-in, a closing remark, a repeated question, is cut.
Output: 11:37
